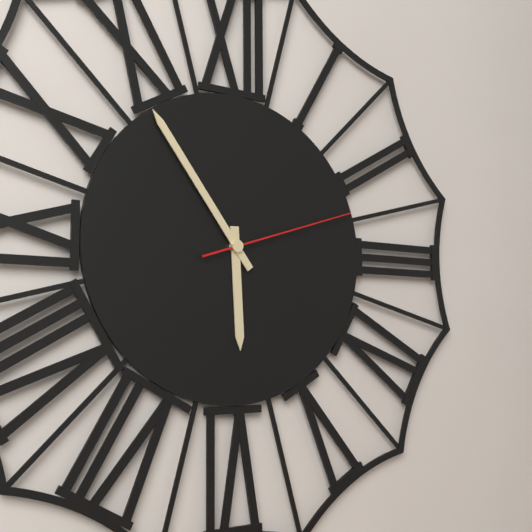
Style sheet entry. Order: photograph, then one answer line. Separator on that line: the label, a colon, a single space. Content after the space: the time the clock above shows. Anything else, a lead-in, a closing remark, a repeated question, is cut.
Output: 5:54:12
